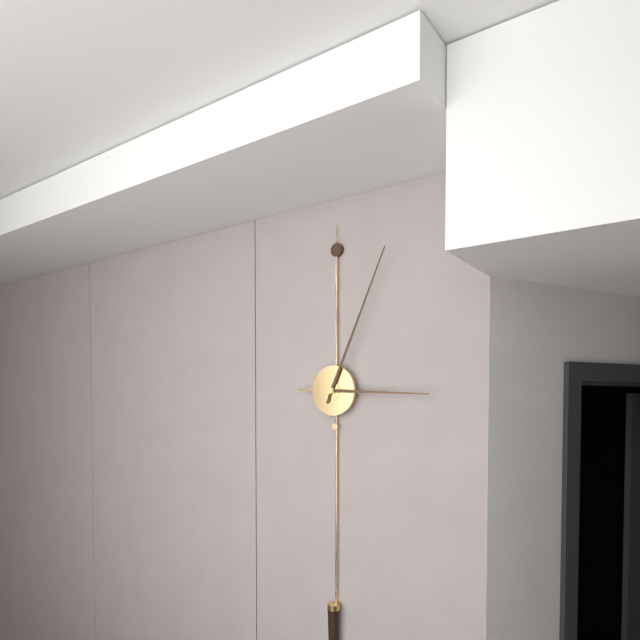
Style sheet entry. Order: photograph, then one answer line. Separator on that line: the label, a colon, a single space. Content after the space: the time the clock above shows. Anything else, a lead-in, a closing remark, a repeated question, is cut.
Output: 3:04
